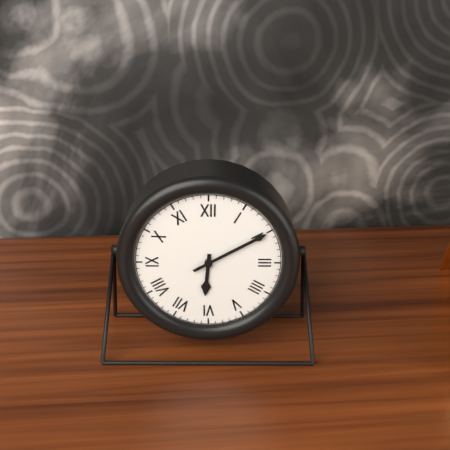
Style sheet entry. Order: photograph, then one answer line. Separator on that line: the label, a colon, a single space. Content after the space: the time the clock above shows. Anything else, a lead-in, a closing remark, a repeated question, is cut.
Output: 6:10
